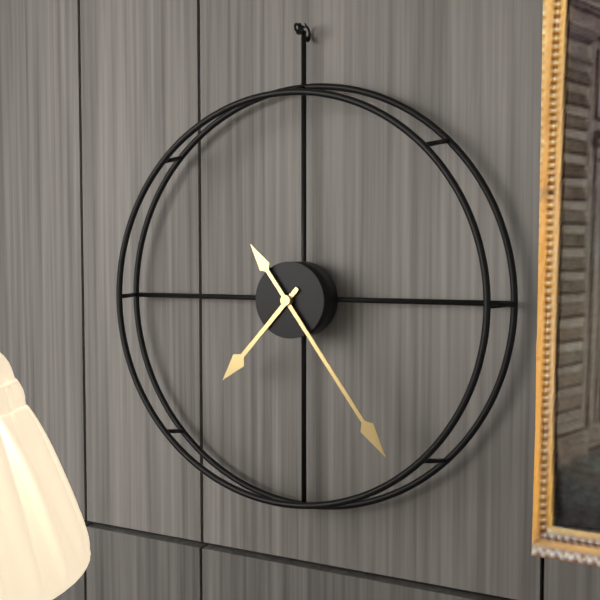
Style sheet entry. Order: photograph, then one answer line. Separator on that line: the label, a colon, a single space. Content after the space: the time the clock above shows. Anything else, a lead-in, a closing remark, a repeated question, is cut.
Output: 7:24
